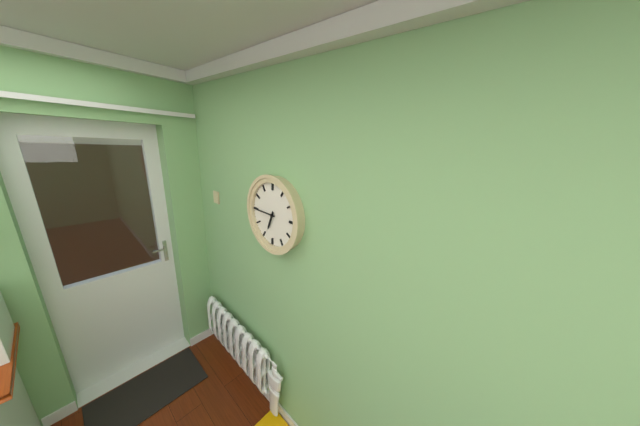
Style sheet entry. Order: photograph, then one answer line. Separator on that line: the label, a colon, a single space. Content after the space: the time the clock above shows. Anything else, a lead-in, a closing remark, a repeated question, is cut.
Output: 6:45
